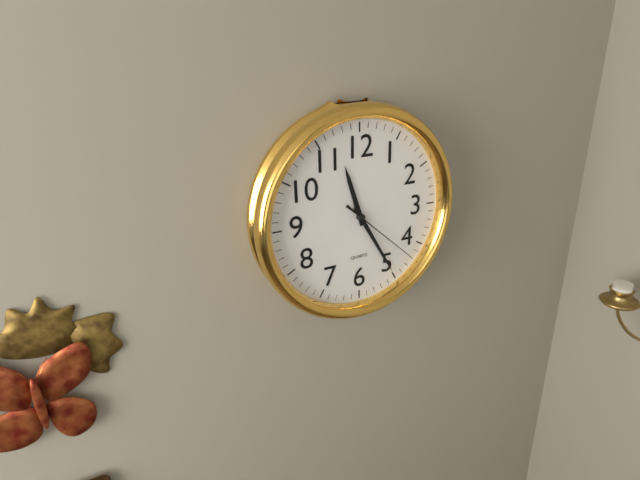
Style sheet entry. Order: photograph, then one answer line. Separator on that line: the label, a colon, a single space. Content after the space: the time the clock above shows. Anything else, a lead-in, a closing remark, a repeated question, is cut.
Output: 11:25:22
